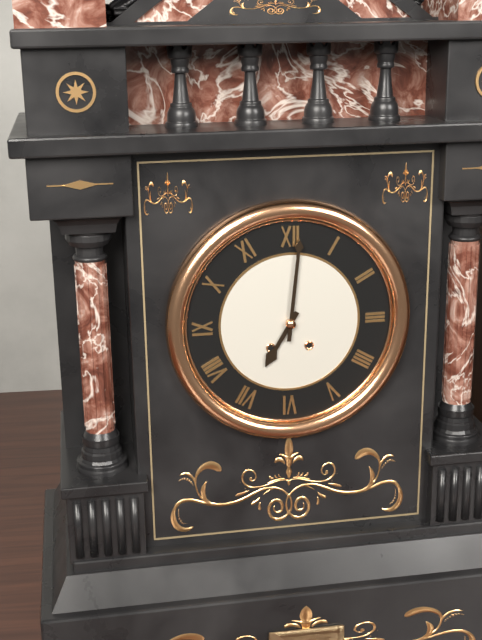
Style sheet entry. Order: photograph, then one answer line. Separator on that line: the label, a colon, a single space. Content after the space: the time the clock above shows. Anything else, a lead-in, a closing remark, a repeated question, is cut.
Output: 7:01
